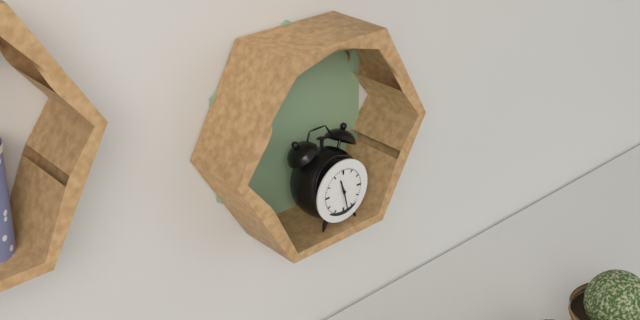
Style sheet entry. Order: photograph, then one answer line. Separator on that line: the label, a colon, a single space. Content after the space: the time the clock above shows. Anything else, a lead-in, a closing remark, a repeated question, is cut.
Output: 11:28
